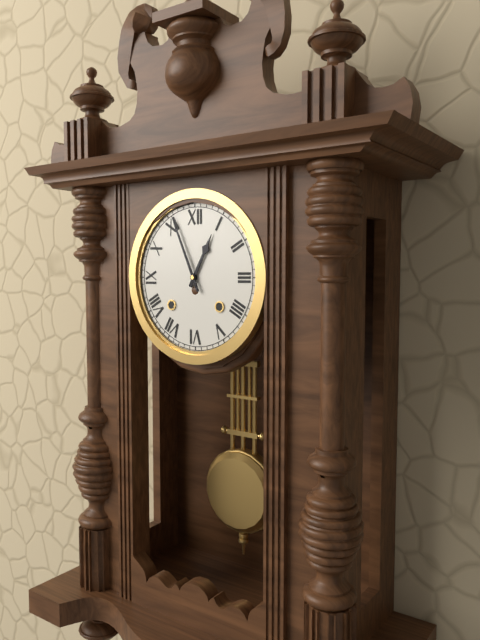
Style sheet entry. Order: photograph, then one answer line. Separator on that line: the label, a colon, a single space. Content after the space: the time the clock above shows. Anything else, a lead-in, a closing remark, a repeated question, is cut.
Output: 12:56
